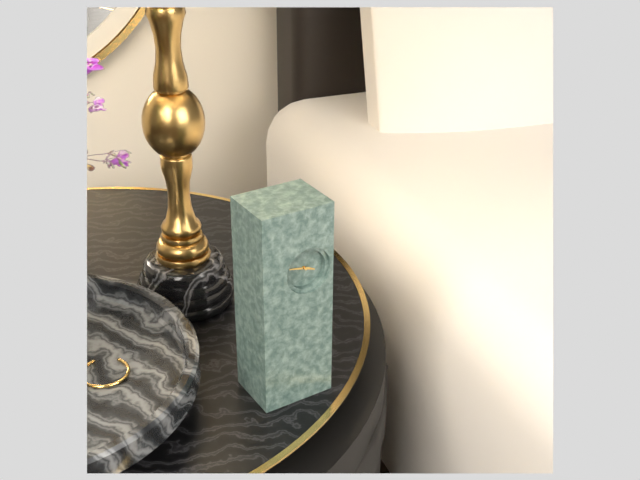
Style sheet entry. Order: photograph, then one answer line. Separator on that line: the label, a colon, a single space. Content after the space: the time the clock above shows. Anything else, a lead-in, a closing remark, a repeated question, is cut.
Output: 3:47
